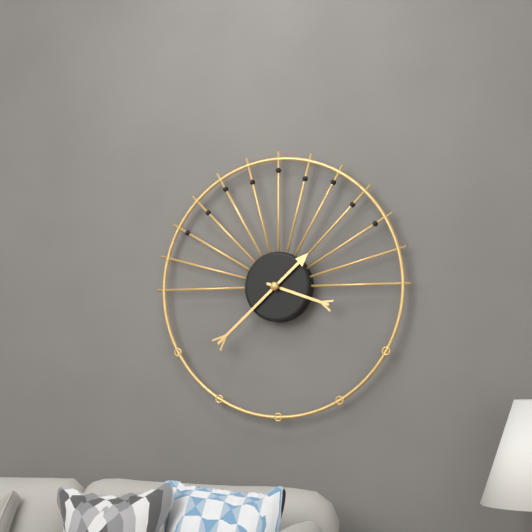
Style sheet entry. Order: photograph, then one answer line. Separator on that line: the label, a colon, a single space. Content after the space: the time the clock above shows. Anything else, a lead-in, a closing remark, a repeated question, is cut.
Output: 3:38
